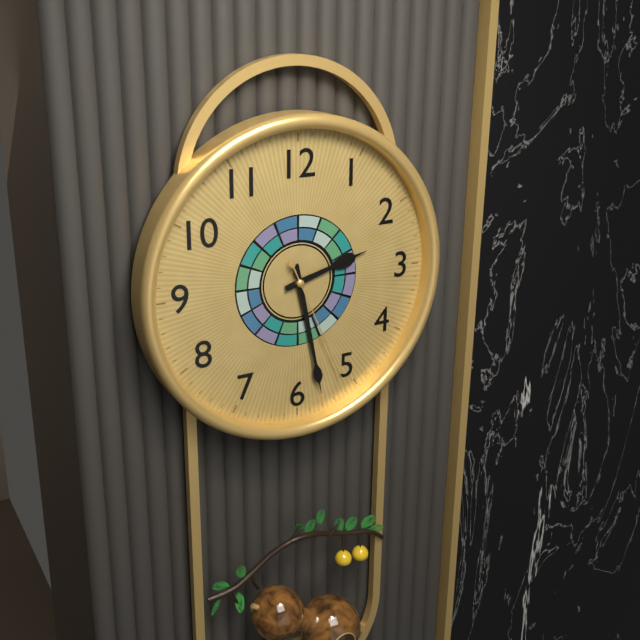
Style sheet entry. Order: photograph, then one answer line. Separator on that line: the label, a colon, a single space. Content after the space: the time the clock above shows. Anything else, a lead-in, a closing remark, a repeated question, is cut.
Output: 2:28:26
